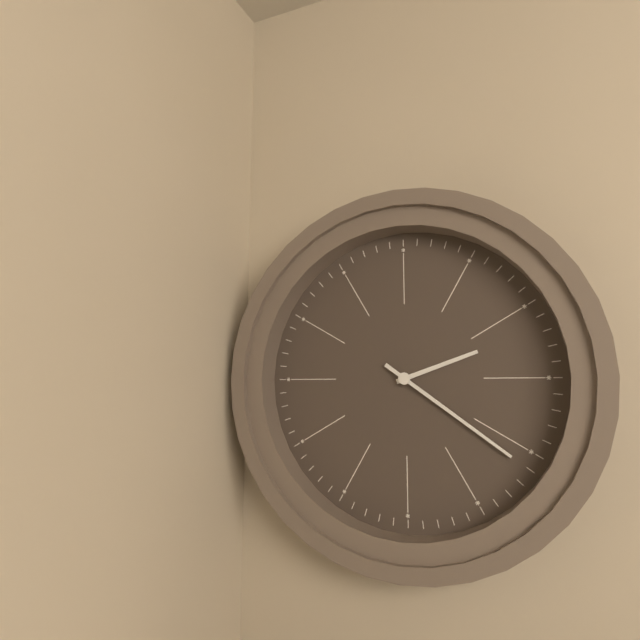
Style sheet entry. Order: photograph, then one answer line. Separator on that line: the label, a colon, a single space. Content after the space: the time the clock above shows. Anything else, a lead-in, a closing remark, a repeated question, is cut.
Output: 2:21
